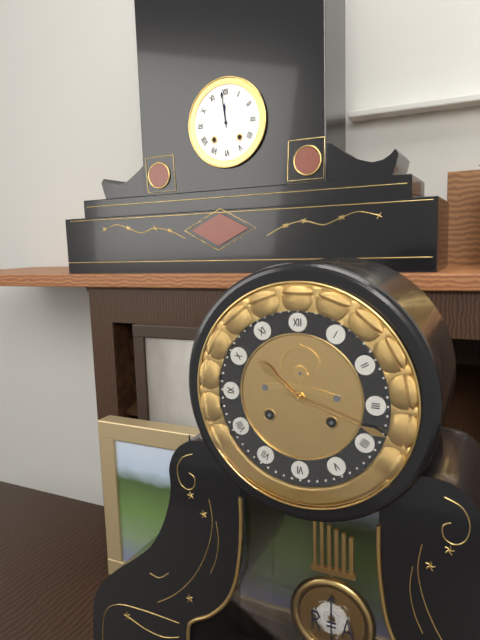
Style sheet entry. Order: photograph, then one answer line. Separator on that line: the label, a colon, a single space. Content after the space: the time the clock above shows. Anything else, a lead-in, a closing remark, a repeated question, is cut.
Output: 10:18
